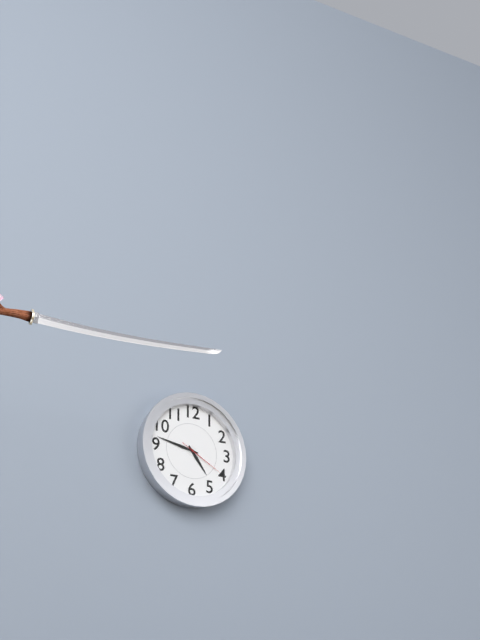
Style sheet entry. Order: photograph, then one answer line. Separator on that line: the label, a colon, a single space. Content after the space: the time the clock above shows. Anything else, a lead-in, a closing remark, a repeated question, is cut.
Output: 4:47
